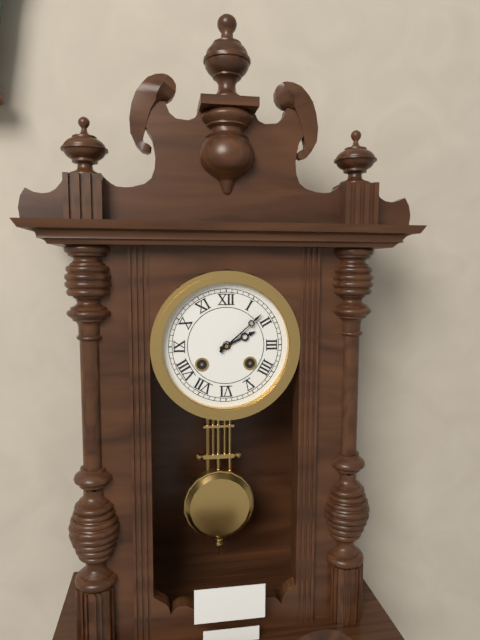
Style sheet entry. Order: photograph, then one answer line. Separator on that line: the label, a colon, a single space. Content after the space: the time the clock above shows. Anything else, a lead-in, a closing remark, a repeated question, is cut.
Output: 2:08
